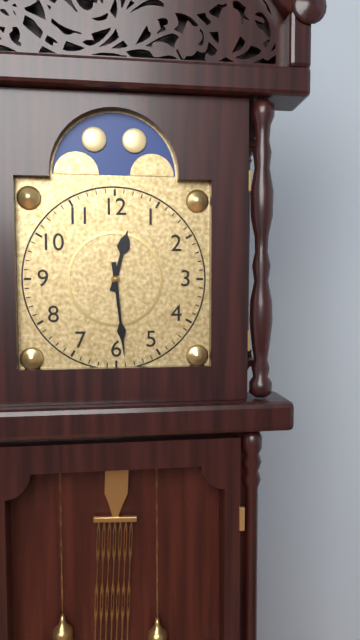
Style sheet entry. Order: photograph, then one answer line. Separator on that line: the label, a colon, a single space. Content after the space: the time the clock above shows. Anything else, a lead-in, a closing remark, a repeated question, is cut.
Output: 12:29
